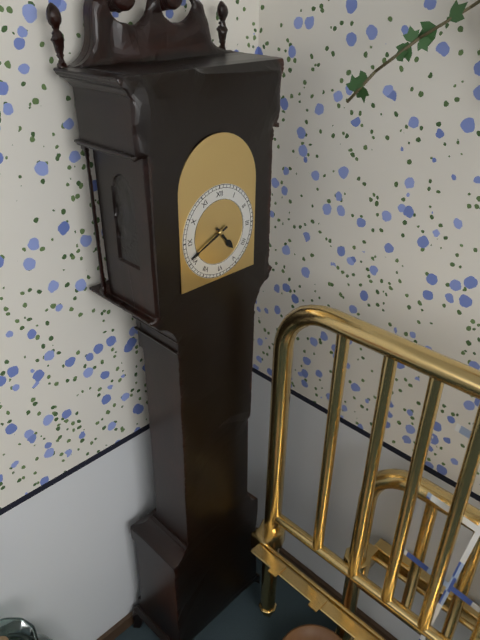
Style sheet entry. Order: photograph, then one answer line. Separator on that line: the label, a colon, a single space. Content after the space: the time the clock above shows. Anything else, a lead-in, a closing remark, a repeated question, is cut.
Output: 4:41
